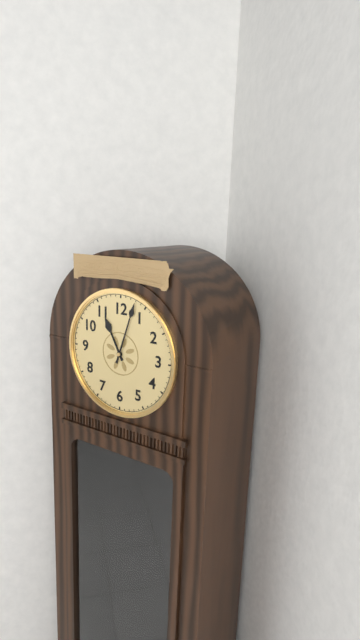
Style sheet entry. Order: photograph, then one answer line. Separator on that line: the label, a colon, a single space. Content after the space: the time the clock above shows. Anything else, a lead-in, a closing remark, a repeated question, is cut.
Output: 11:03
